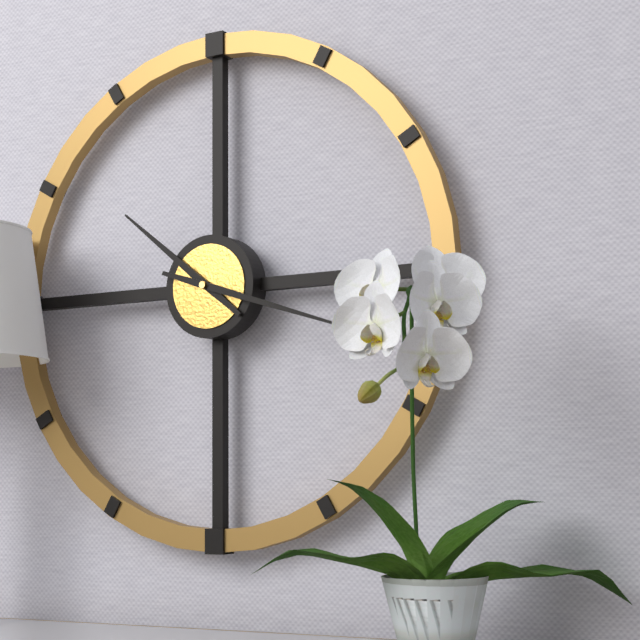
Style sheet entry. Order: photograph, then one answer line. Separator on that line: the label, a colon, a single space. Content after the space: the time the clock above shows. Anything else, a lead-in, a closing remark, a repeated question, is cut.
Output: 10:18
